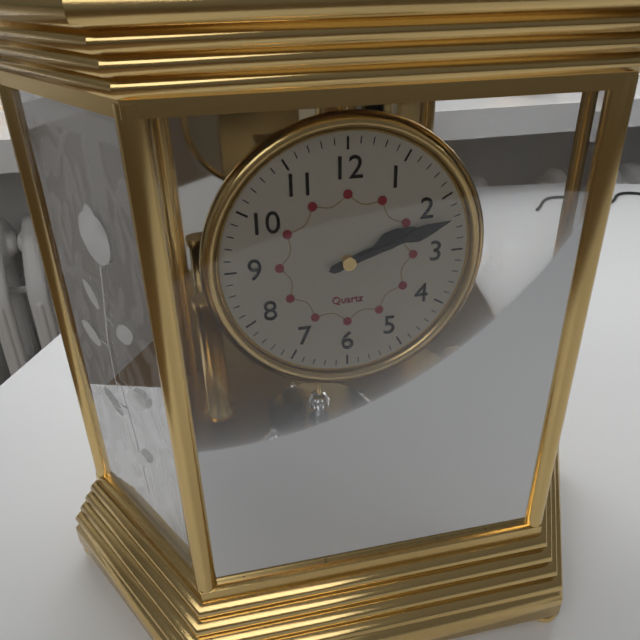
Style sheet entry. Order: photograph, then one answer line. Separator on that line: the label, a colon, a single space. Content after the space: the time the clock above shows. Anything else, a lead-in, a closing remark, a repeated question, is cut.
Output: 2:12
